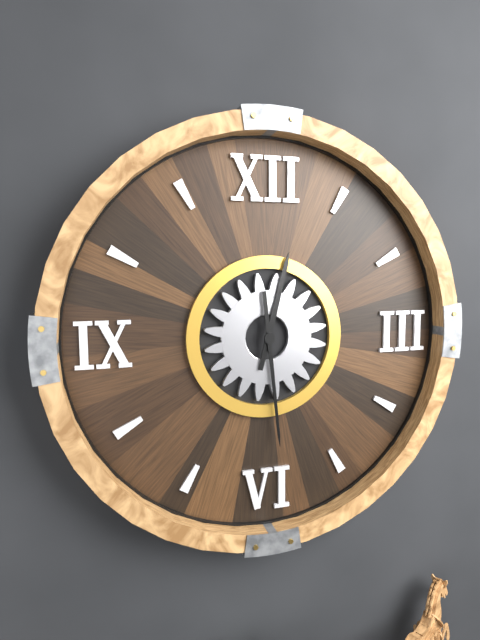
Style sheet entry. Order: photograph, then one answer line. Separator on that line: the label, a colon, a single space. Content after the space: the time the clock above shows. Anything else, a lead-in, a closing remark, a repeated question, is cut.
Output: 12:29
